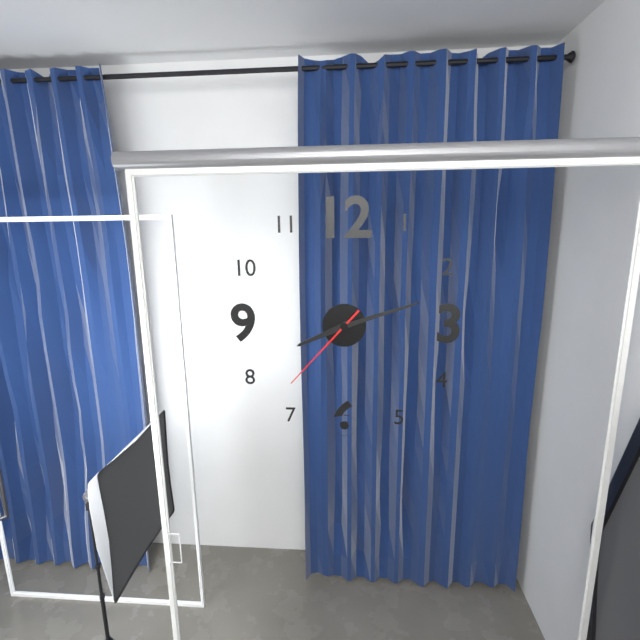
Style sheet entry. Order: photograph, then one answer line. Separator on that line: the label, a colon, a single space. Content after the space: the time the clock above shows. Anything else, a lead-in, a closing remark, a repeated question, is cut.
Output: 8:12:37
